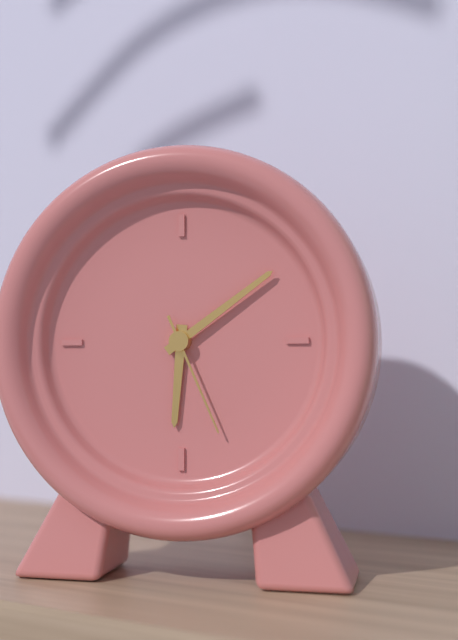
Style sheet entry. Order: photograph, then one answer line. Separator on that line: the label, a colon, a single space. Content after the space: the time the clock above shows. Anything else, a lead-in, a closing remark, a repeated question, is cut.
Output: 6:09:26
